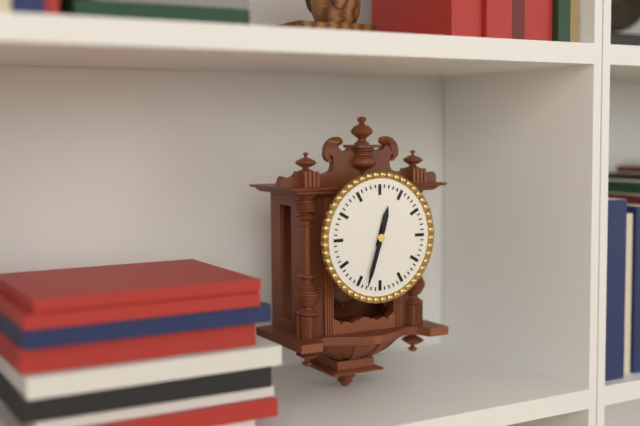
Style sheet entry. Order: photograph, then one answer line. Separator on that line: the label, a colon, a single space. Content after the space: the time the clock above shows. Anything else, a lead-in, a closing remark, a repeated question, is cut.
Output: 12:33
